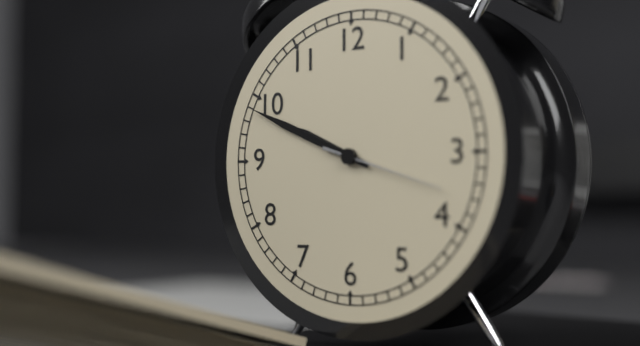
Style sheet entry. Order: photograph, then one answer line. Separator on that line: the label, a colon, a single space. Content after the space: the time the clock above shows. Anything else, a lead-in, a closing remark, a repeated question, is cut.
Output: 9:49:18
